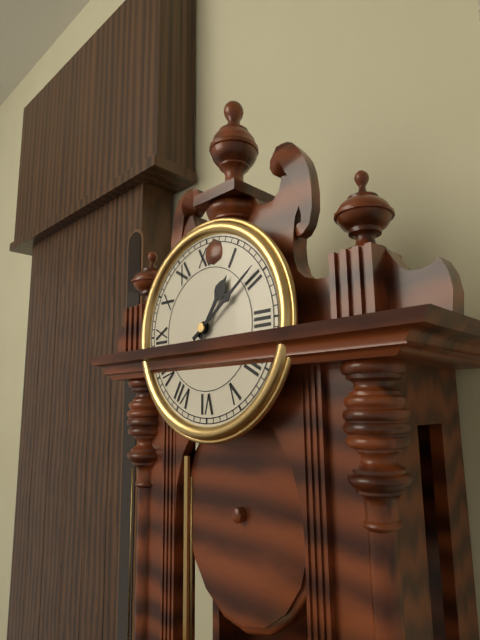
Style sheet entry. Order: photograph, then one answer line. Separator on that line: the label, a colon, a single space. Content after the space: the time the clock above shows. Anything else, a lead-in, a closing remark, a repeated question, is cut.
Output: 1:09
